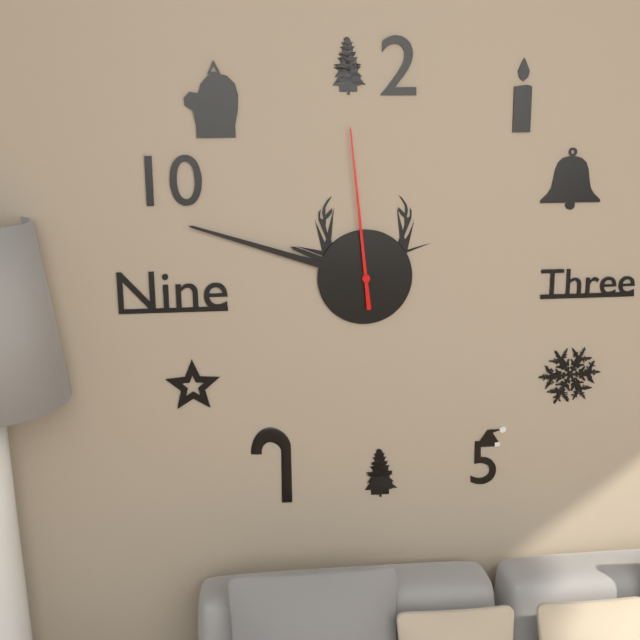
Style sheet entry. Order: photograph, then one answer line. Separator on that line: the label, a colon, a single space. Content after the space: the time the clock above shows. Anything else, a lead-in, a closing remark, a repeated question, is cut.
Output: 9:48:59
